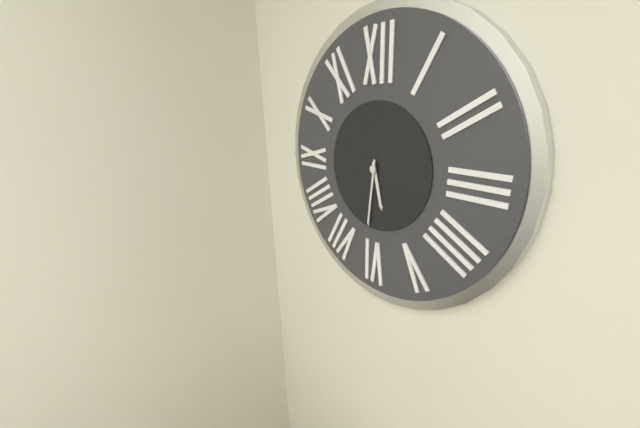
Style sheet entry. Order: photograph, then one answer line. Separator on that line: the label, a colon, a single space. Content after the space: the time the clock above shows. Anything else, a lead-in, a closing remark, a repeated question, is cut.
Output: 5:31
